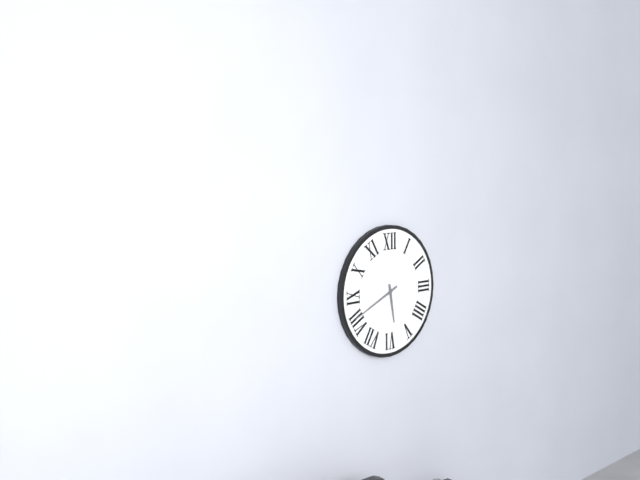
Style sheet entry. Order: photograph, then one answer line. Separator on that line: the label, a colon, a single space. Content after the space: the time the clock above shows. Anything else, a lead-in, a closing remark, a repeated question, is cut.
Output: 5:41
